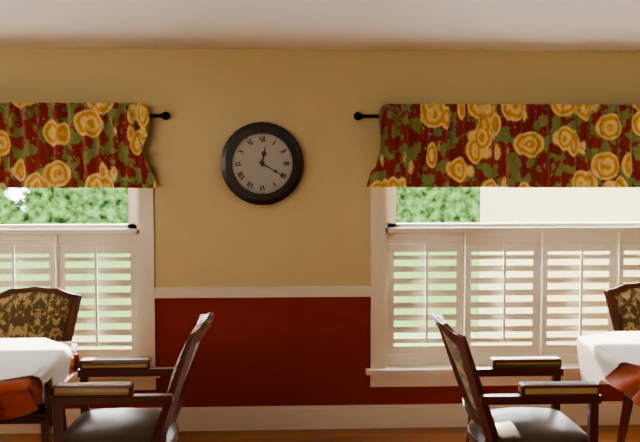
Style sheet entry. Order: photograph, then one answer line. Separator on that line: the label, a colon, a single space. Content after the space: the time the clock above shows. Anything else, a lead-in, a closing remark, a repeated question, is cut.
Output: 12:20
